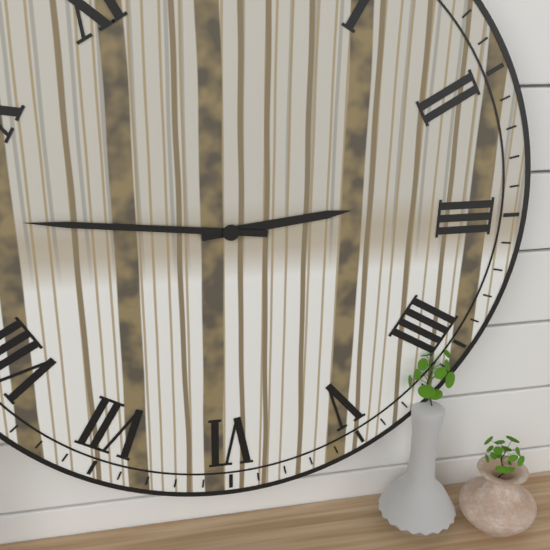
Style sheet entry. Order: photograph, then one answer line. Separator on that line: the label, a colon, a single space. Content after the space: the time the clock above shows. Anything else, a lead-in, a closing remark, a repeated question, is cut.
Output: 2:46
